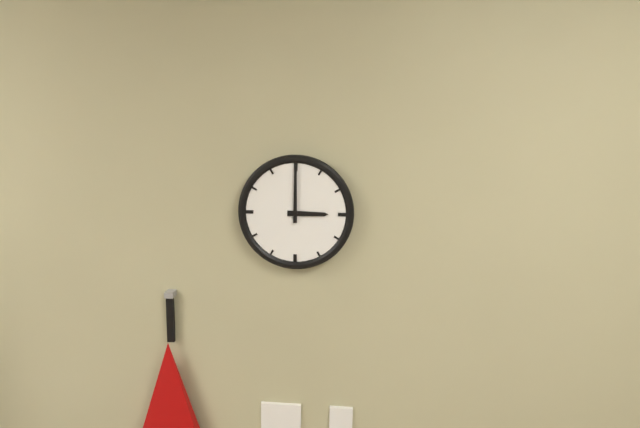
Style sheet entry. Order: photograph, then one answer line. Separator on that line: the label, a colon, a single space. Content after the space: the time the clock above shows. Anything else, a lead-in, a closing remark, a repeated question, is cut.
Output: 3:00
